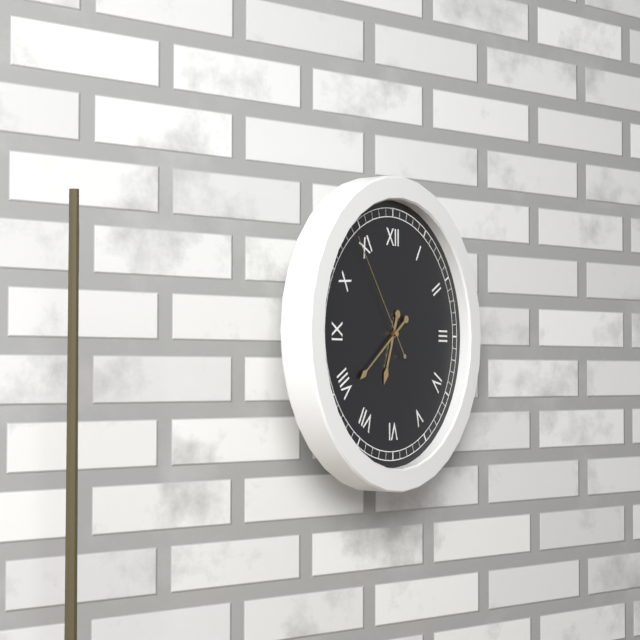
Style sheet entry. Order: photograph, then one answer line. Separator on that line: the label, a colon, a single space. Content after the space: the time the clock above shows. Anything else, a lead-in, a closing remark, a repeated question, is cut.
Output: 6:39:54
